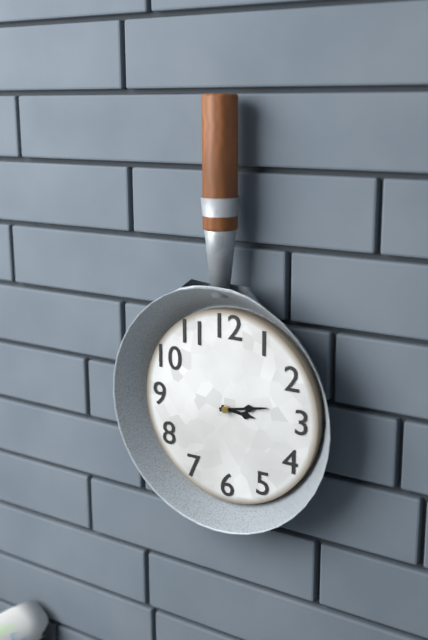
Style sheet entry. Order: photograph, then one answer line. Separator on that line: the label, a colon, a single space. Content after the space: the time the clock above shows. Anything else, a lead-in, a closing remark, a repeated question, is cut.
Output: 3:13
